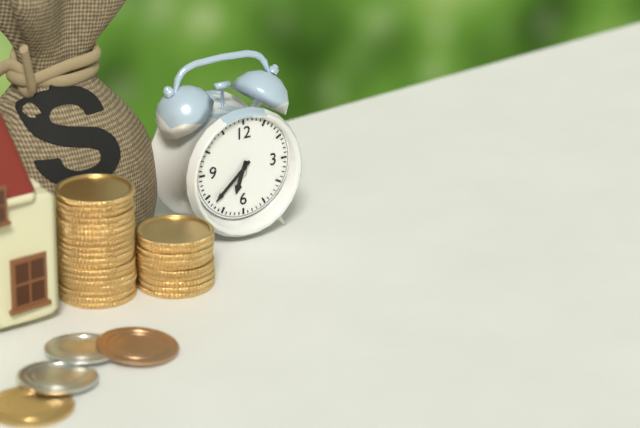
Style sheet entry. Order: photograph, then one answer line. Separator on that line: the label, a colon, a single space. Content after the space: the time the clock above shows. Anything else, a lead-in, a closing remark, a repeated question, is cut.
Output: 6:38
